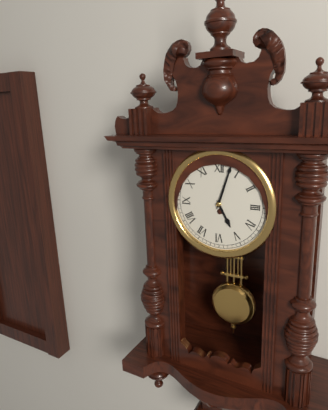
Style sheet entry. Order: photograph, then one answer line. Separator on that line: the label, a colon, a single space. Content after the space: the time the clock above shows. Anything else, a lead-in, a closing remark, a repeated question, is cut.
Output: 5:03
